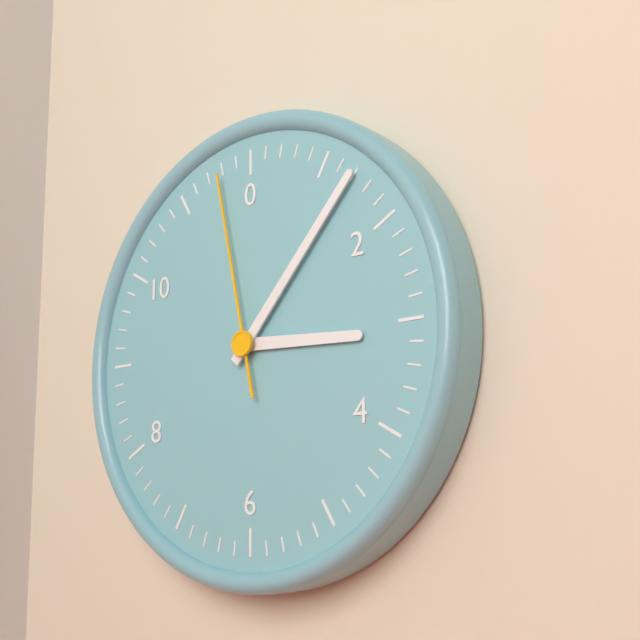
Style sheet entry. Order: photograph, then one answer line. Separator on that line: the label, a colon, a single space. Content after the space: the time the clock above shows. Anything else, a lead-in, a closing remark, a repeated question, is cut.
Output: 3:07:58
